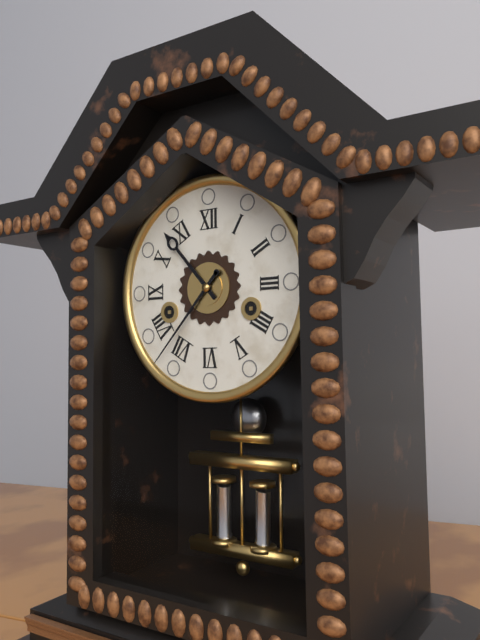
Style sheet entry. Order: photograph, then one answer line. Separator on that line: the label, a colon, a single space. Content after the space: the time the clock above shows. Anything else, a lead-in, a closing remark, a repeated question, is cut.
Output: 10:37
